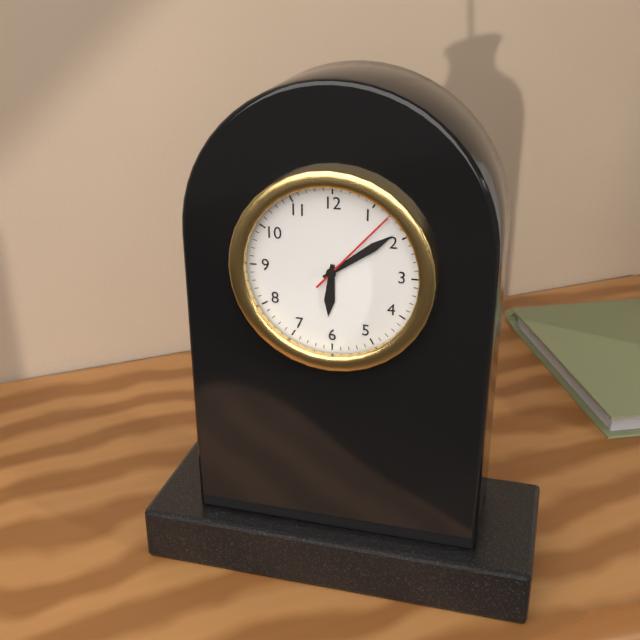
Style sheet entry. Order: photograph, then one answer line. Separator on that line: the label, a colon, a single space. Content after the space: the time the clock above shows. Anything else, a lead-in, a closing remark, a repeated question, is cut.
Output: 6:09:07
